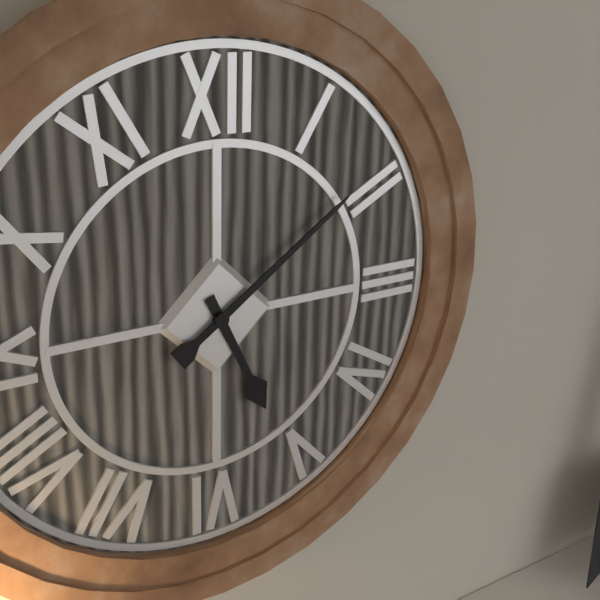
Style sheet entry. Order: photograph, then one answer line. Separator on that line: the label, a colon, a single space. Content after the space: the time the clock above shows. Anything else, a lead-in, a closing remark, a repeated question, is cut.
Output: 5:09
